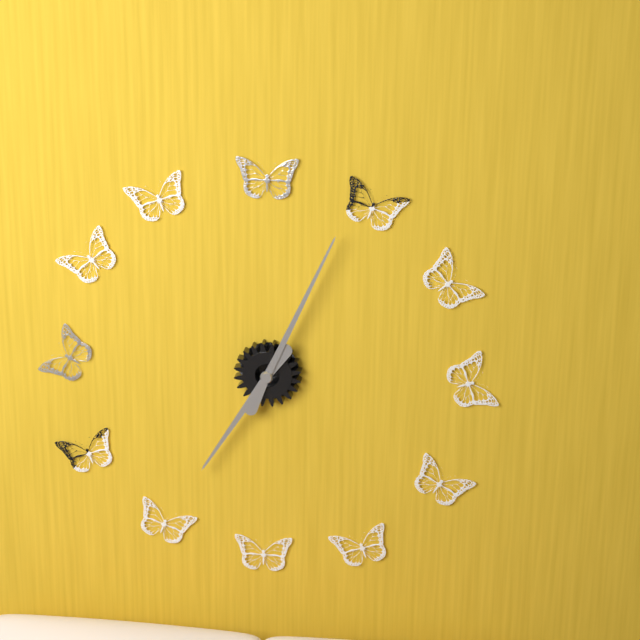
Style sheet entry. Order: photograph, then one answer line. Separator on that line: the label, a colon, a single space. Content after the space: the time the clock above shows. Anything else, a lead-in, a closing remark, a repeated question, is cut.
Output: 7:04
